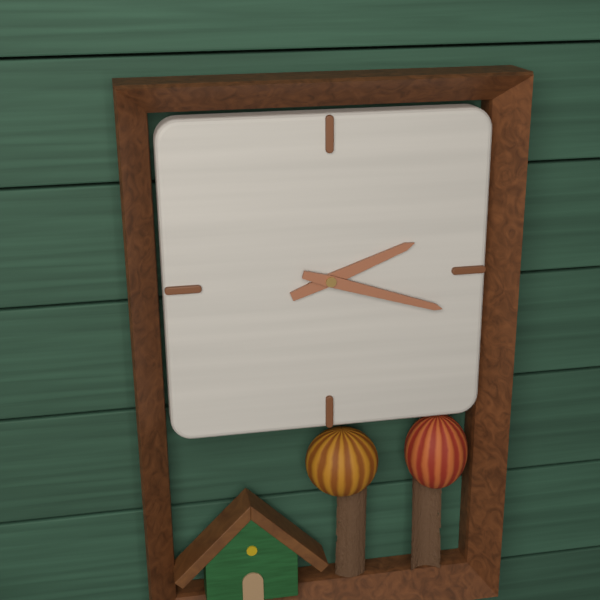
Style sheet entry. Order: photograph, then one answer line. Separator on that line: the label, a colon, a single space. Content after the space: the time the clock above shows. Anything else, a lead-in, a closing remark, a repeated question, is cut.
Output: 2:18
